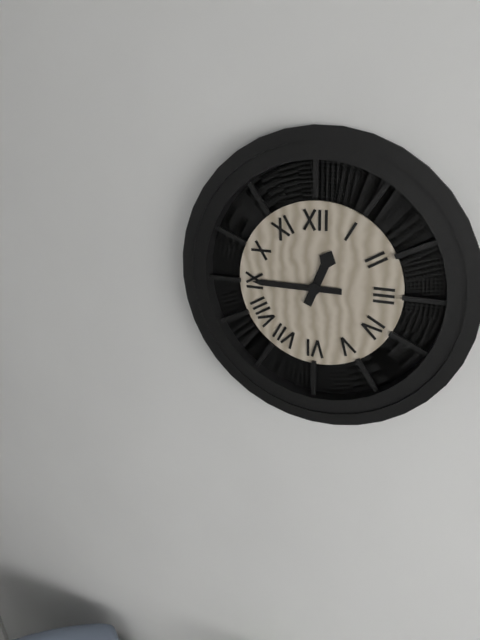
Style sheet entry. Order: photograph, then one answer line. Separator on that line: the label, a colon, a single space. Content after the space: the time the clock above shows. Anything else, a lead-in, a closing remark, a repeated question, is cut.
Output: 12:45
